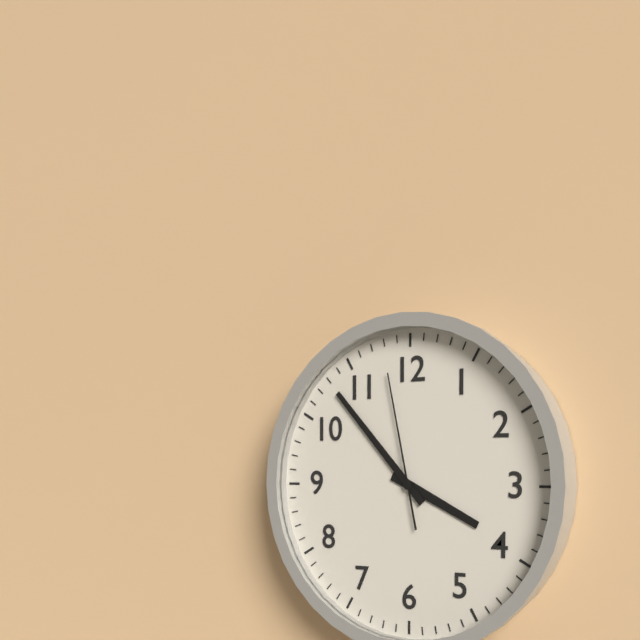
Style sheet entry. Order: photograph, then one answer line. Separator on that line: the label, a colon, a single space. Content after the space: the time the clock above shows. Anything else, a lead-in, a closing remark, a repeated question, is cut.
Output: 3:53:58
